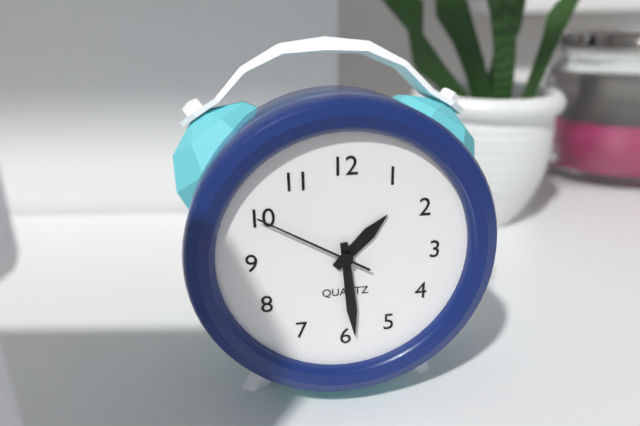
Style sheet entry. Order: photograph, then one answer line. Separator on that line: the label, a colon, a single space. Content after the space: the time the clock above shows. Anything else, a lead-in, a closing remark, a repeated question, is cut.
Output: 1:29:50
